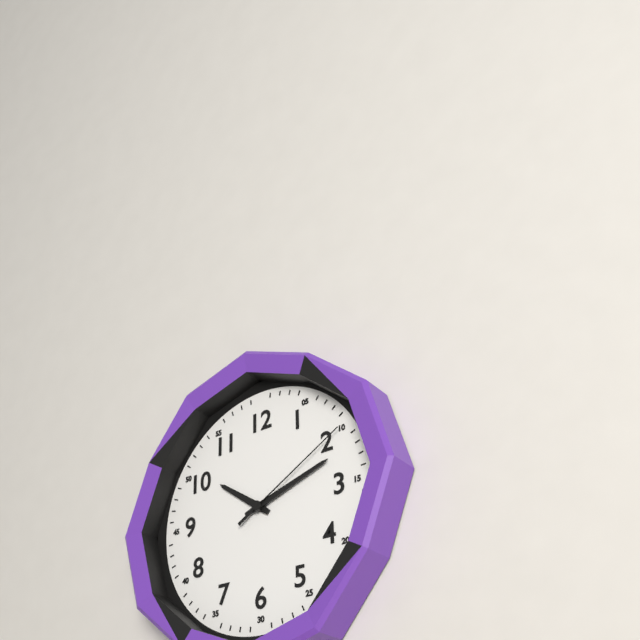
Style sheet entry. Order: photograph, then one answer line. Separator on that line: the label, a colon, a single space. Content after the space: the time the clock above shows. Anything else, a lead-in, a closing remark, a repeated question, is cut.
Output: 10:12:10
